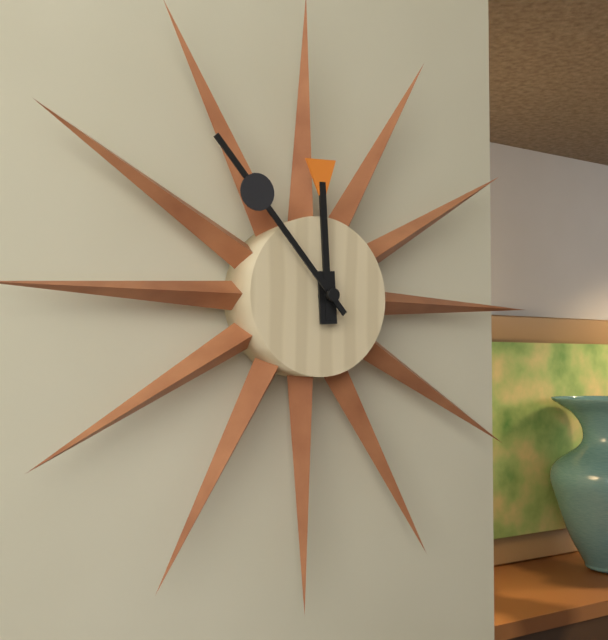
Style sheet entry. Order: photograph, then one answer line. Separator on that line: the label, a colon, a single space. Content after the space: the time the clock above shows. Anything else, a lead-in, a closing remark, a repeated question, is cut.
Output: 11:53
